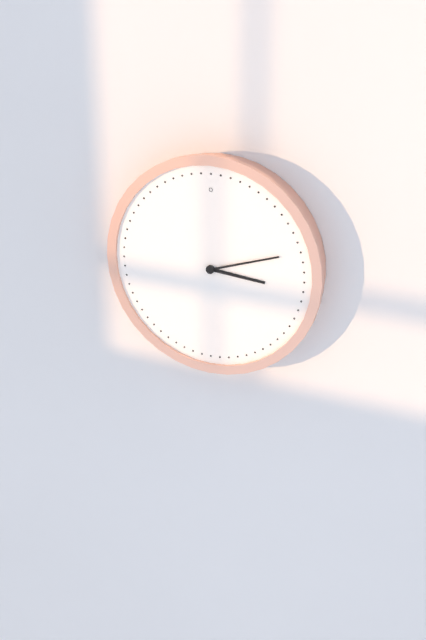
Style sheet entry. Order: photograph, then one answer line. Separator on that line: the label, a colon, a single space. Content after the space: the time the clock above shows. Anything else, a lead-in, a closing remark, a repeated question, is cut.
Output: 3:12
